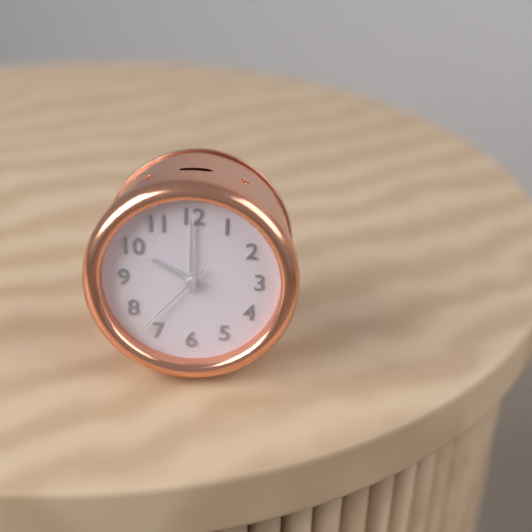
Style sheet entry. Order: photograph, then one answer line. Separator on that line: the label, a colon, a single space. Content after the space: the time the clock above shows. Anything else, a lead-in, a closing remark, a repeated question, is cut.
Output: 10:00:37
